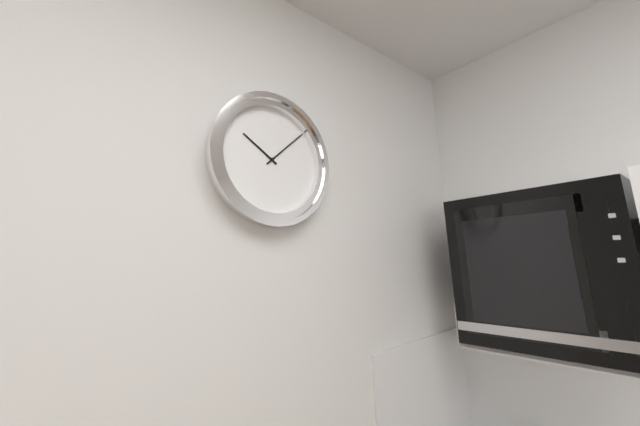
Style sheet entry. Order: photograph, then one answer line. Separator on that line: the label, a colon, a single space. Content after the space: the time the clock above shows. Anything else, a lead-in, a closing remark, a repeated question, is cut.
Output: 10:08
